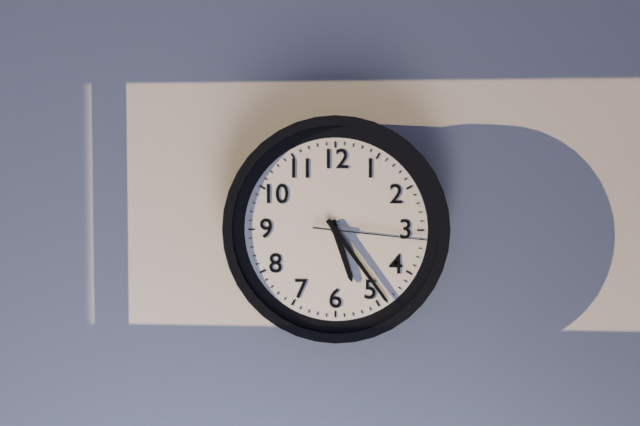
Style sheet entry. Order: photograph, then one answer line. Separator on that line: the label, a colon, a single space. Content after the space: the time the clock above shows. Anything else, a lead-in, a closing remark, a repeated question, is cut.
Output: 5:24:16
